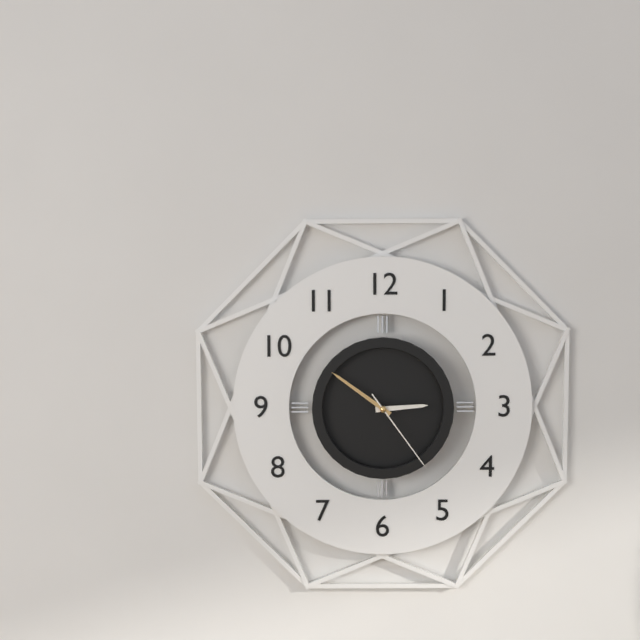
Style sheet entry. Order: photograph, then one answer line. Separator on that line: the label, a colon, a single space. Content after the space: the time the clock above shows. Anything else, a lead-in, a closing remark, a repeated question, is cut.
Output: 2:51:24
